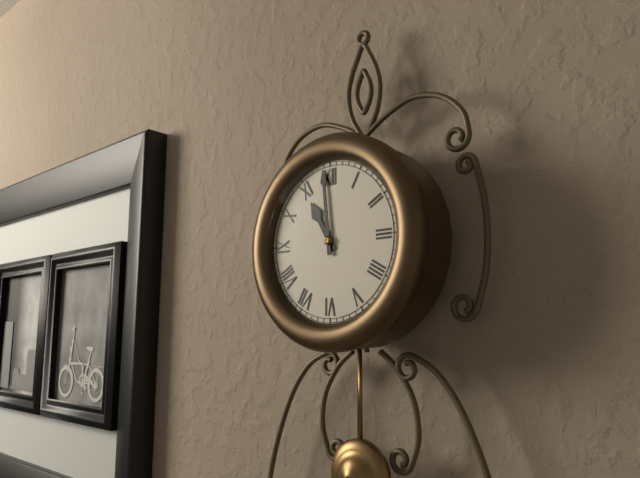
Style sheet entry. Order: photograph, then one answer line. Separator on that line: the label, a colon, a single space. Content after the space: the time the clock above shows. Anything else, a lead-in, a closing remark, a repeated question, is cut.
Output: 10:59
